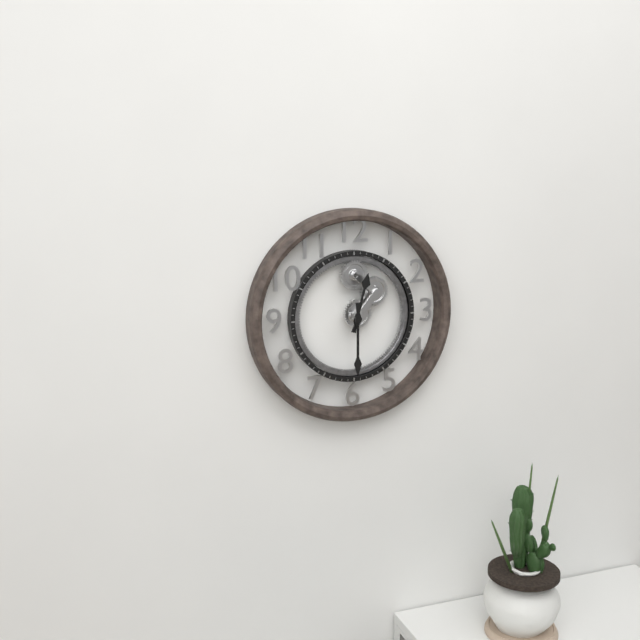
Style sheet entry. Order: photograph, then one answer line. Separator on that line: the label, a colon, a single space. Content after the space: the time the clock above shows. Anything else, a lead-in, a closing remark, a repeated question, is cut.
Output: 12:30
